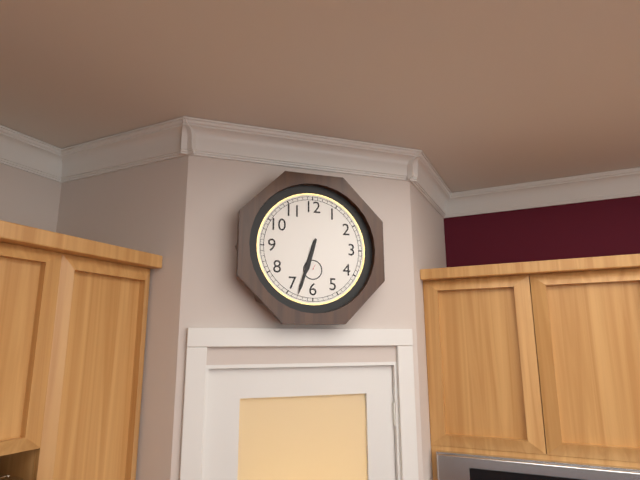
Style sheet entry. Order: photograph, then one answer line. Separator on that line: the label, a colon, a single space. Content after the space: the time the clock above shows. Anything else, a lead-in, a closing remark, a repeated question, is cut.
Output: 6:33
